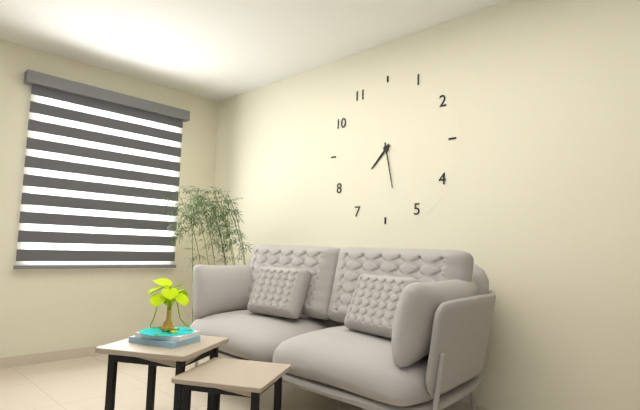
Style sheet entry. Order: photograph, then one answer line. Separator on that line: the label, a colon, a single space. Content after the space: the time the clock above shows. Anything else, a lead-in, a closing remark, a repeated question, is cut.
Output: 7:28
